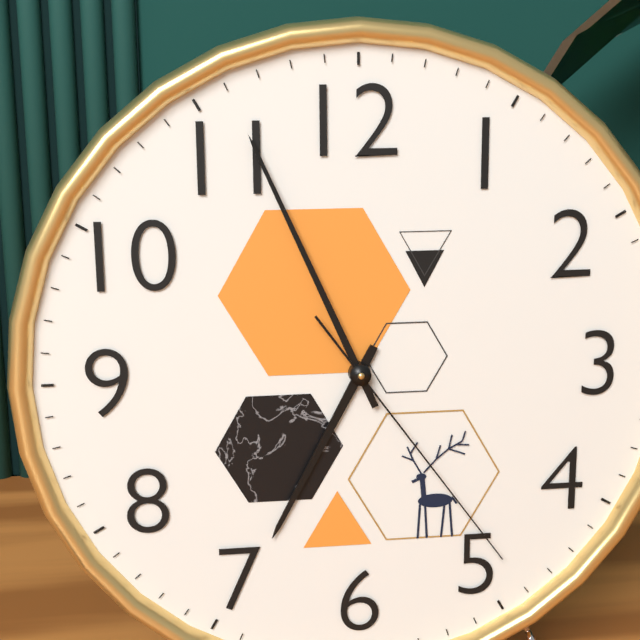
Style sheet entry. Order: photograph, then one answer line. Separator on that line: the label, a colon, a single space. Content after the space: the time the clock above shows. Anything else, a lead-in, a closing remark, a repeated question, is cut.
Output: 6:56:24
